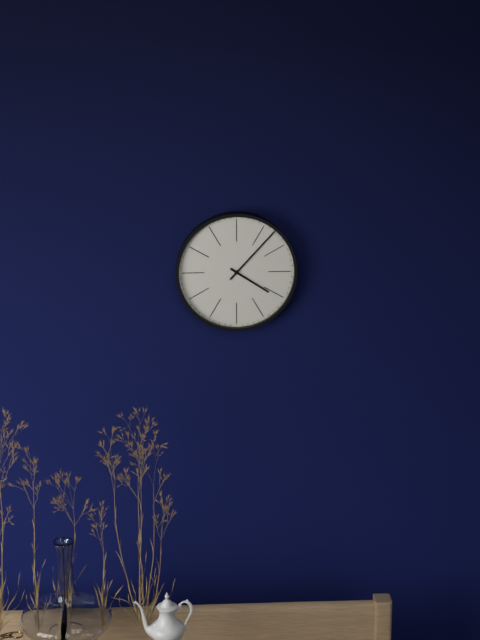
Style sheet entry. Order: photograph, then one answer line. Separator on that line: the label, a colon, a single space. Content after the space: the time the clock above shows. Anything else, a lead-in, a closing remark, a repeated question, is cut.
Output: 4:07
